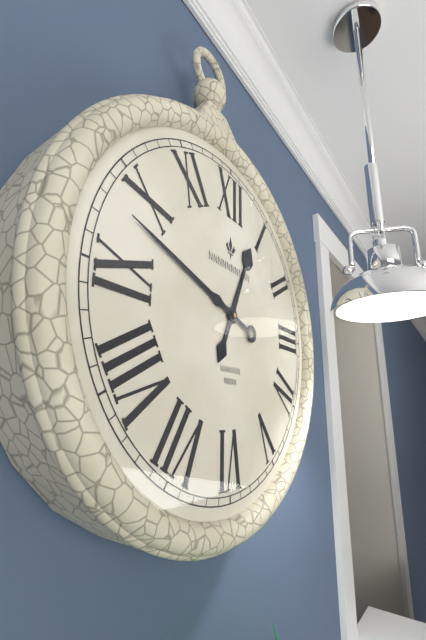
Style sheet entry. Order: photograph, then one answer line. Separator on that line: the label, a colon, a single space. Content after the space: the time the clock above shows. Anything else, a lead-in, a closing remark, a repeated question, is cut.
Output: 12:48
